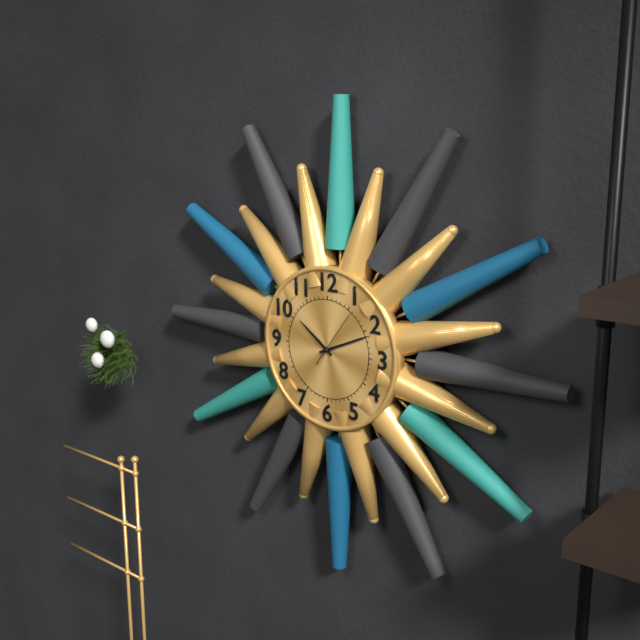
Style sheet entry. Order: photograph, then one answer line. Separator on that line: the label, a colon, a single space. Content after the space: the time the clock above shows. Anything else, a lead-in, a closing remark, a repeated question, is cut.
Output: 10:11:06
